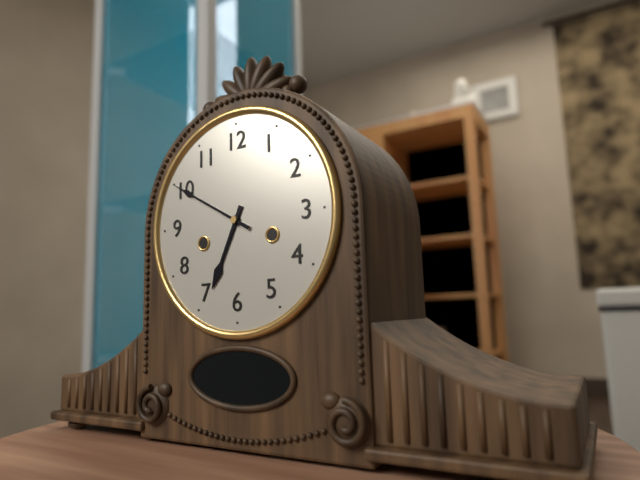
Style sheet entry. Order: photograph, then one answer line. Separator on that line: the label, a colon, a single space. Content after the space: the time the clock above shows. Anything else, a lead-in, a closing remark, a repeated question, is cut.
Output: 6:50
